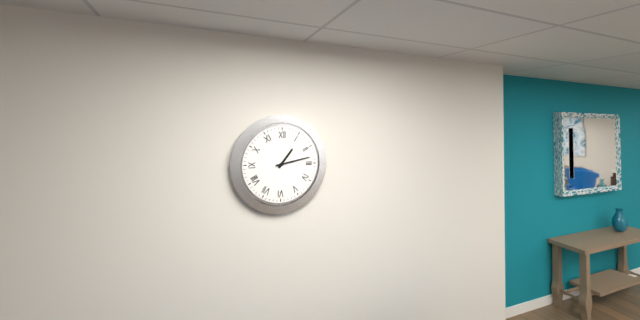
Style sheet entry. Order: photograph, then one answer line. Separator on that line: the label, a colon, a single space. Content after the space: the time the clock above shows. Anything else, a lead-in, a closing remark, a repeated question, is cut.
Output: 1:13
